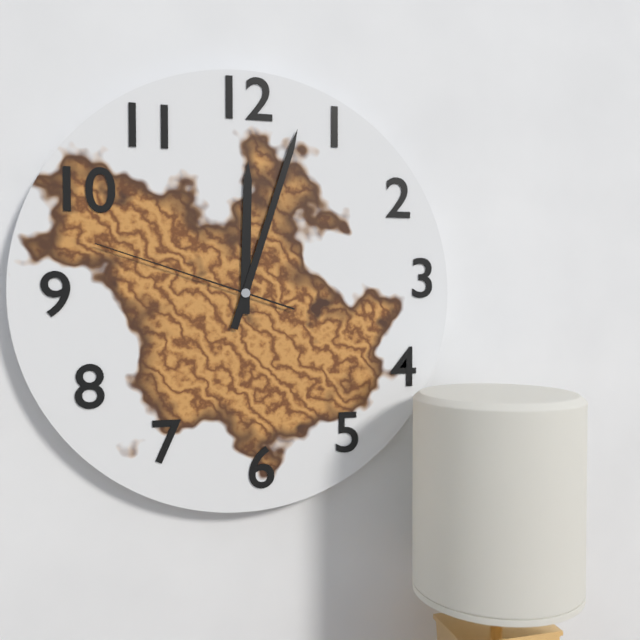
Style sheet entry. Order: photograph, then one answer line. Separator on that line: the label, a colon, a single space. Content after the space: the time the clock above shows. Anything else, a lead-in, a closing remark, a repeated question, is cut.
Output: 12:03:48
